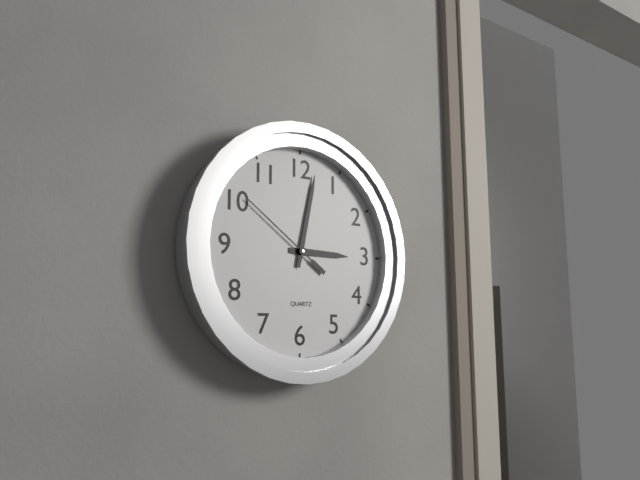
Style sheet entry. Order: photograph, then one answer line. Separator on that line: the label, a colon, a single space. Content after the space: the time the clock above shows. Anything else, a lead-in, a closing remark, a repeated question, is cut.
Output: 3:02:51
